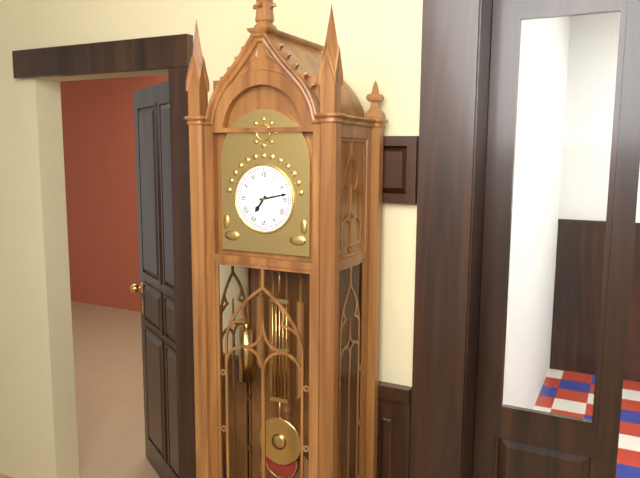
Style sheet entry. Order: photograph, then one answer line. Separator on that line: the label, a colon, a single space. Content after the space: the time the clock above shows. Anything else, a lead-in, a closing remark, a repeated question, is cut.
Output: 7:13
